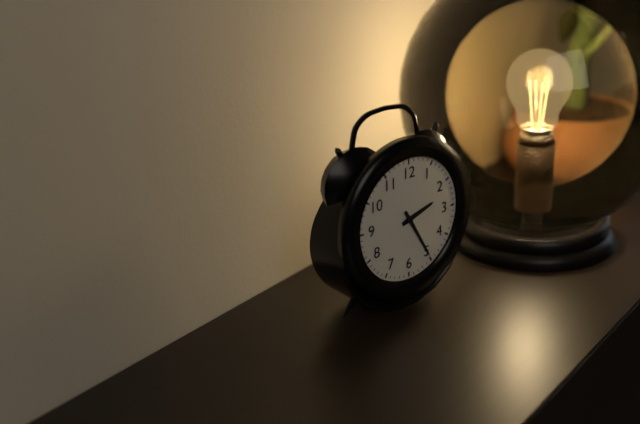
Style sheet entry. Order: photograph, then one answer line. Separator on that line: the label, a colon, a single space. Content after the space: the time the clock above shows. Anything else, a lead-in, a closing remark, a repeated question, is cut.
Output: 2:25
